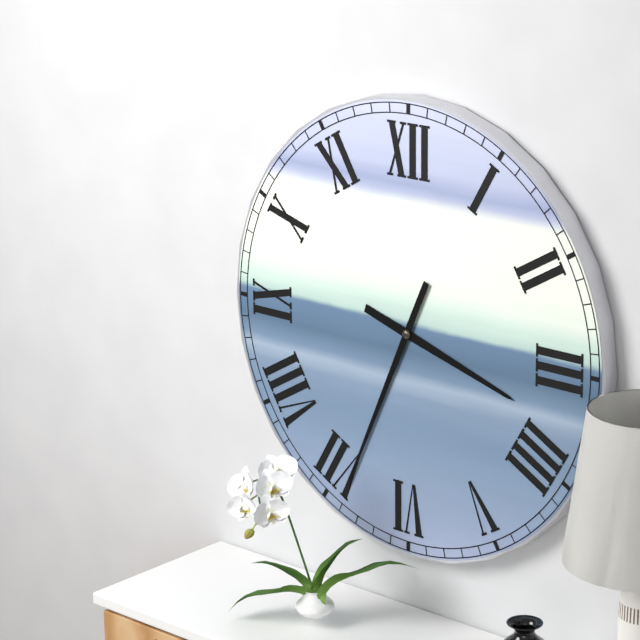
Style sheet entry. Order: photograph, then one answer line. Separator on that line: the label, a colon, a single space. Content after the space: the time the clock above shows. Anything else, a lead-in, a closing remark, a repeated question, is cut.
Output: 3:34
